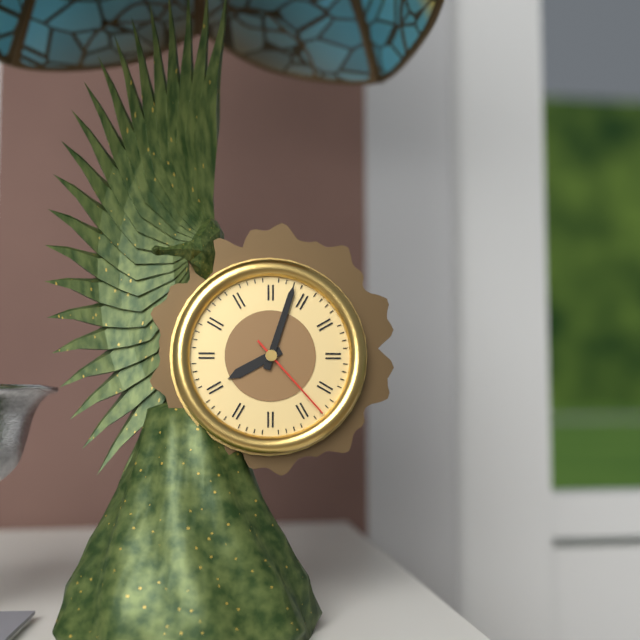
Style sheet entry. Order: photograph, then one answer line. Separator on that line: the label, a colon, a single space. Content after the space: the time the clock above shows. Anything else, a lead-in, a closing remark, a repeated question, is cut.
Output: 8:03:23
